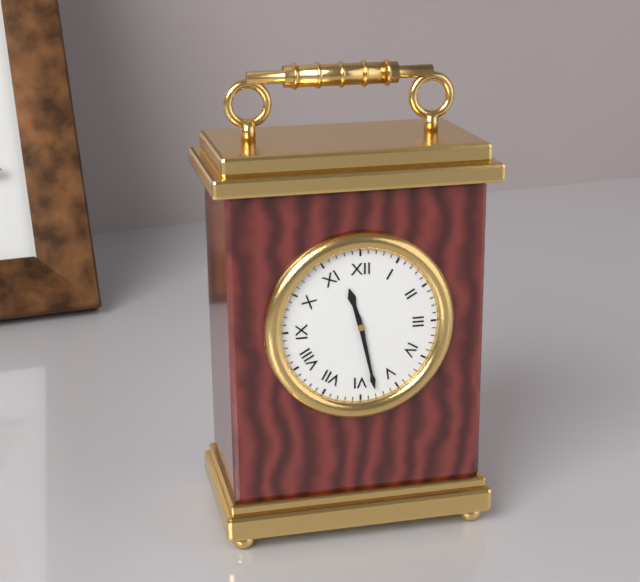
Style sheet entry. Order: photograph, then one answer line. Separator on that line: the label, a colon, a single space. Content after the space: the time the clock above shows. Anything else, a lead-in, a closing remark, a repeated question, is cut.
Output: 11:28
